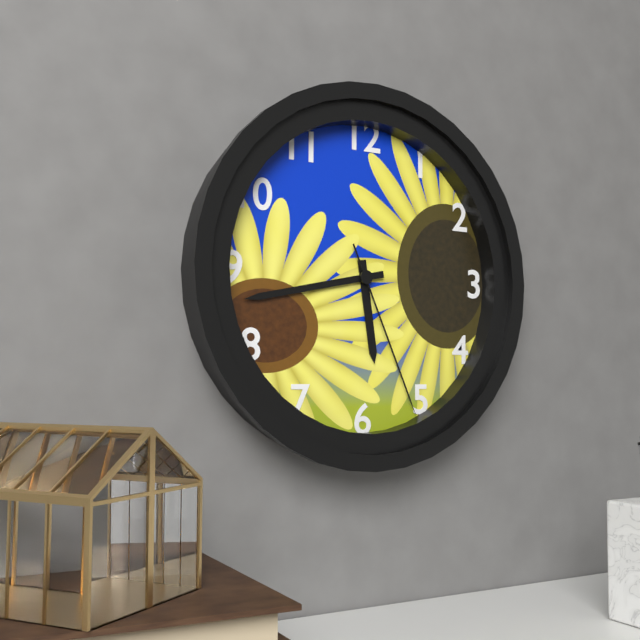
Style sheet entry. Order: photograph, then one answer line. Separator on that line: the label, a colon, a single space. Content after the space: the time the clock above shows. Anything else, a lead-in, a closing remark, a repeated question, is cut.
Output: 5:43:26
